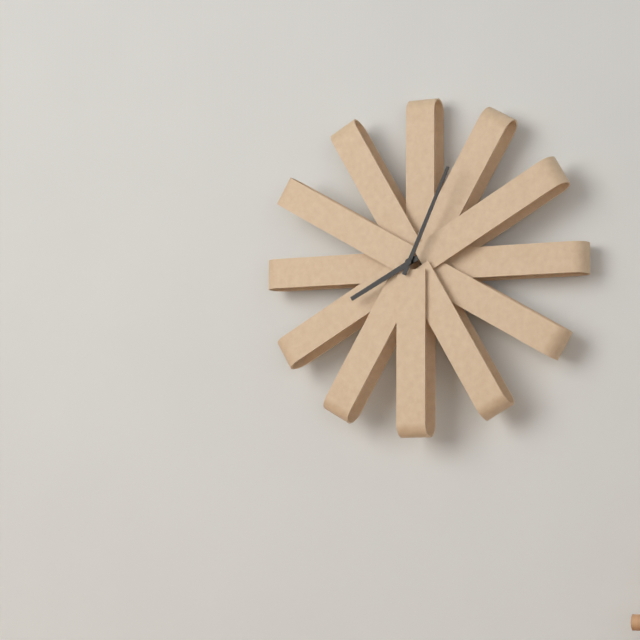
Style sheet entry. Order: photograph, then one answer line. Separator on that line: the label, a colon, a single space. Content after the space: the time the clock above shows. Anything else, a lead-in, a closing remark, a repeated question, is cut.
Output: 8:04
